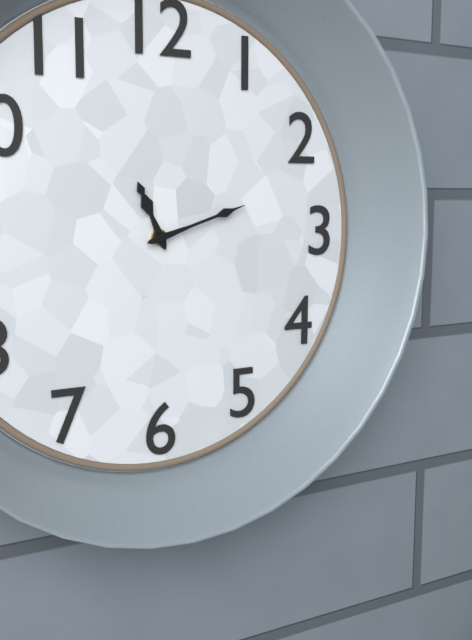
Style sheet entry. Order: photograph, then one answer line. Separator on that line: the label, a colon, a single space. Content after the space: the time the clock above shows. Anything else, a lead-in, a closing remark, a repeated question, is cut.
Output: 11:12
